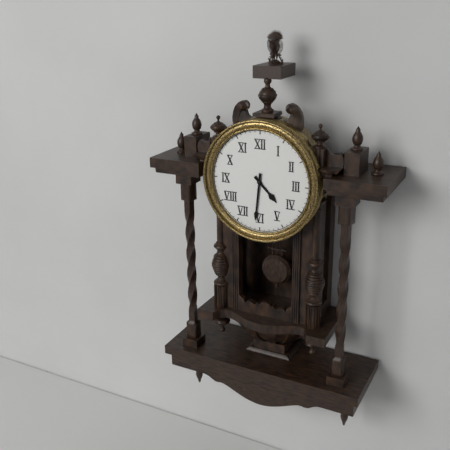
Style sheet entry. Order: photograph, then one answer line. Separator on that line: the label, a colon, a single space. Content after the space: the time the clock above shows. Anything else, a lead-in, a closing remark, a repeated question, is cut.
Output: 4:31
